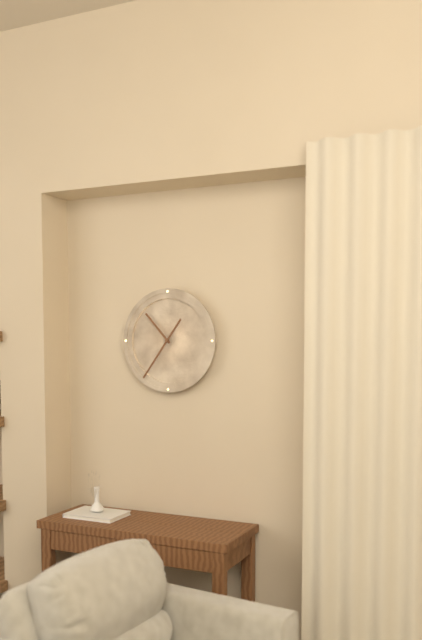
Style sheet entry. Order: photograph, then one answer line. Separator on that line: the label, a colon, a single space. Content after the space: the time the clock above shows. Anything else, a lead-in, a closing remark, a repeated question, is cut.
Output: 10:36
